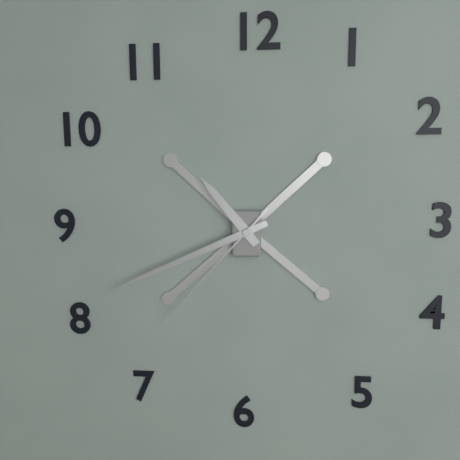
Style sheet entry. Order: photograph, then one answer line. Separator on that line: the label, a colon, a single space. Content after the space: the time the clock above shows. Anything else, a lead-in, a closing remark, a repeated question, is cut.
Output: 10:41:37
